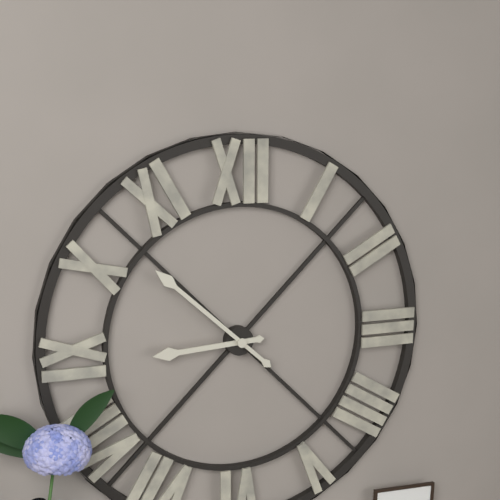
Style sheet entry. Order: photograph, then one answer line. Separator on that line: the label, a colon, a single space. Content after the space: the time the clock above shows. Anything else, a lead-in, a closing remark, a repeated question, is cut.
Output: 8:52
